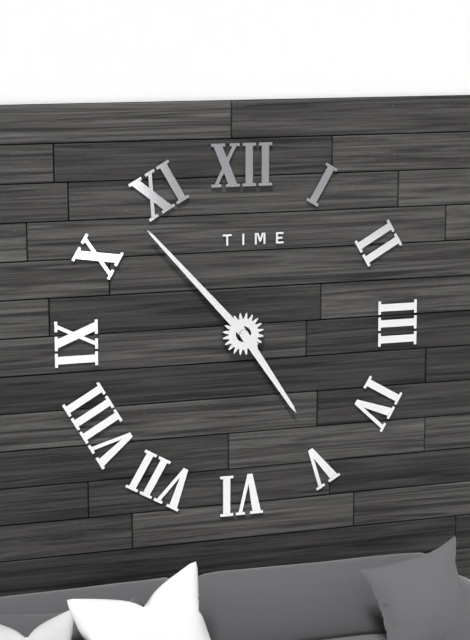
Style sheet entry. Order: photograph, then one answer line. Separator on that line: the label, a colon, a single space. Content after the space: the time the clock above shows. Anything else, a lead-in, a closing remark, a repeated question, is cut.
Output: 4:53
